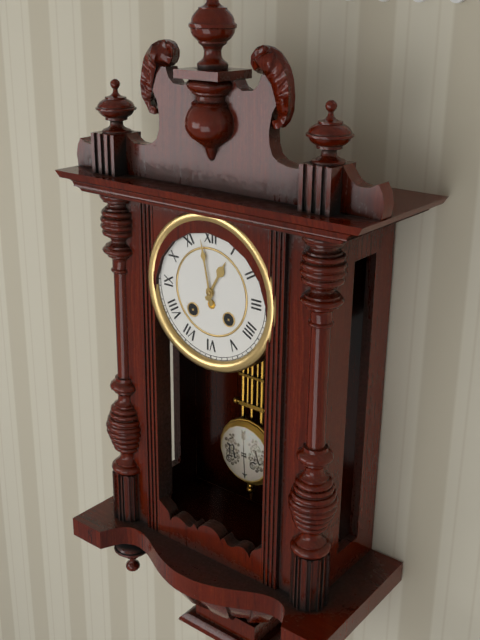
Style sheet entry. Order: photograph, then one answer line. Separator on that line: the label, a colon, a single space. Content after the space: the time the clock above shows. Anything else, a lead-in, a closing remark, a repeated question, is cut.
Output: 12:58
